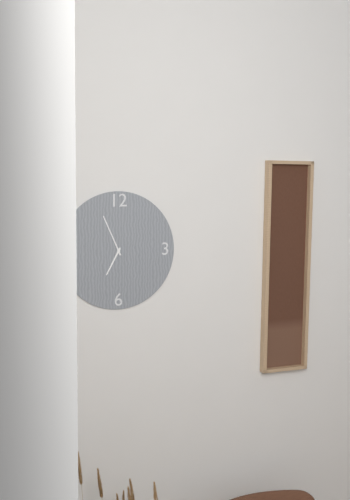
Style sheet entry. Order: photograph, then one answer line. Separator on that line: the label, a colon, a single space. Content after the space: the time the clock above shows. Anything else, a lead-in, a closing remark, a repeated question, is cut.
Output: 6:56
